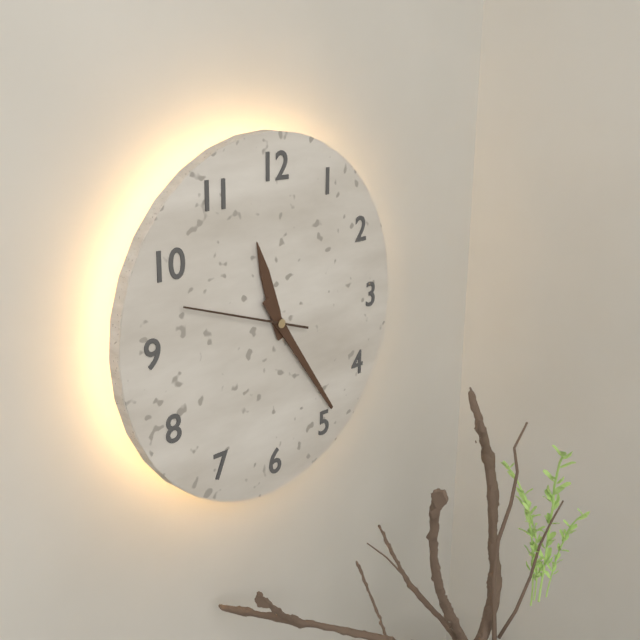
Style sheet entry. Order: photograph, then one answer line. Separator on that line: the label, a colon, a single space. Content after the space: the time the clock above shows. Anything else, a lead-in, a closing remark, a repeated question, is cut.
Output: 11:24:48
